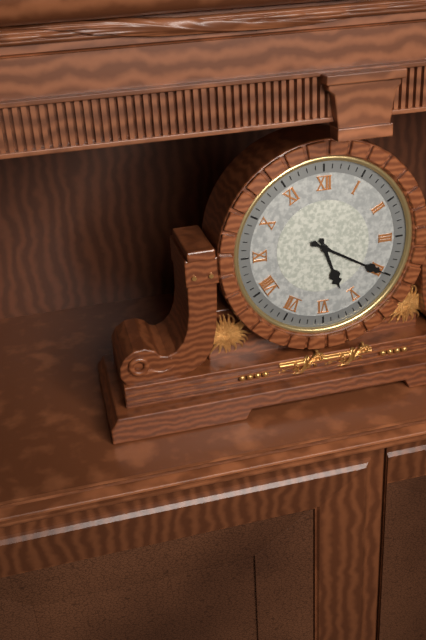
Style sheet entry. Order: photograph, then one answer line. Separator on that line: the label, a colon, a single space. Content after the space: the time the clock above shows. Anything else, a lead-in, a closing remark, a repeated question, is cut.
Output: 5:20
